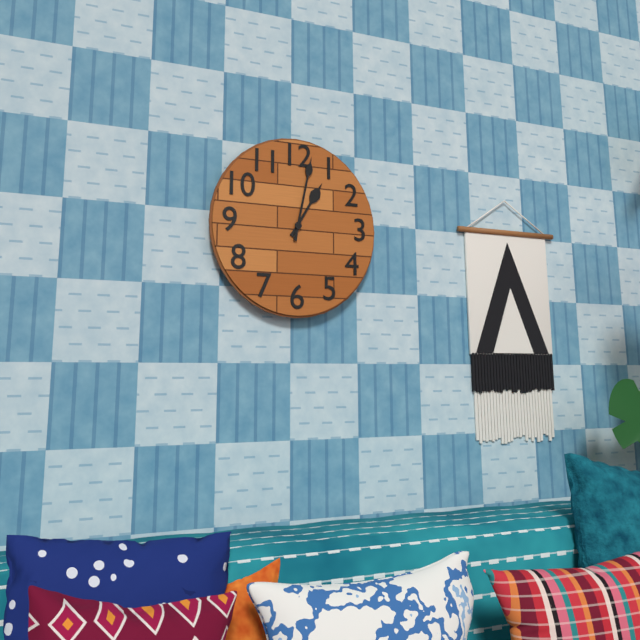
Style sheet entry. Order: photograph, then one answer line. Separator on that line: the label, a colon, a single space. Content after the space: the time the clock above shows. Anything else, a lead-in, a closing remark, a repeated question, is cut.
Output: 1:02
